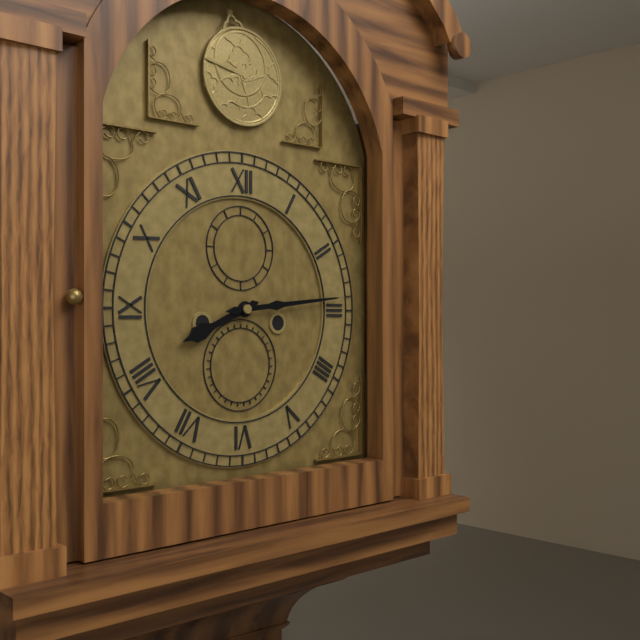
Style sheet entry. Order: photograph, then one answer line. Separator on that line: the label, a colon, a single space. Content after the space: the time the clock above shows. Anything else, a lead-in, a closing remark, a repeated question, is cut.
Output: 8:14
